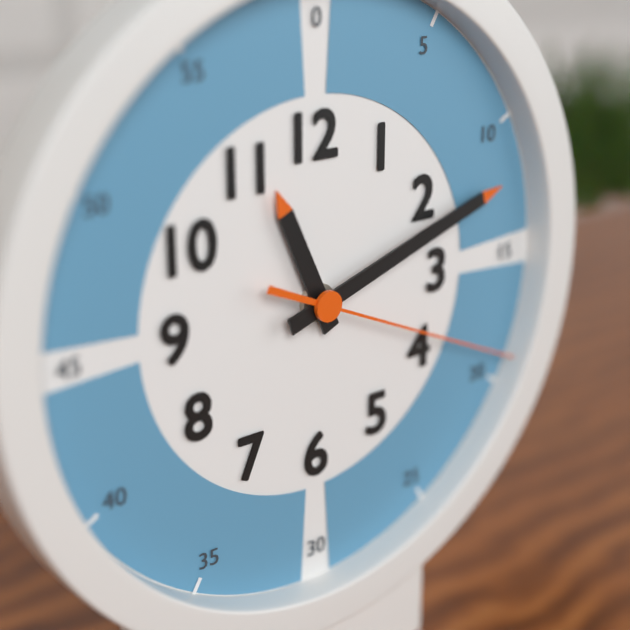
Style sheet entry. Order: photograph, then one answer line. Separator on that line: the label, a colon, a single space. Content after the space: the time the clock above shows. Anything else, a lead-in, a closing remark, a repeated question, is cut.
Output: 11:12:19
